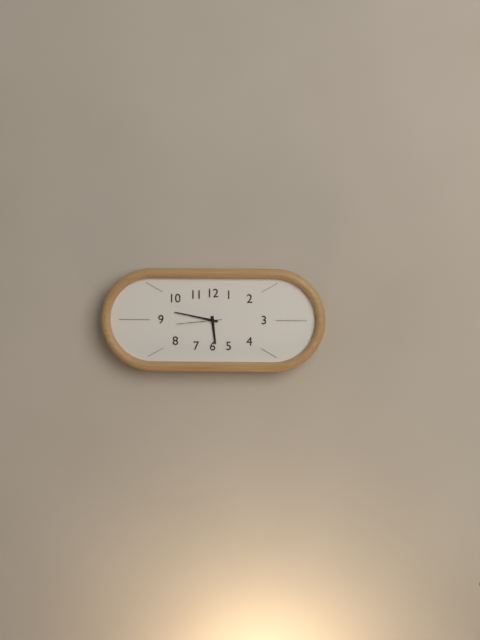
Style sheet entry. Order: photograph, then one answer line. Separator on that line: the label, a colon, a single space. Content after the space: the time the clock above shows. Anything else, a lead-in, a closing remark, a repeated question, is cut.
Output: 5:47
